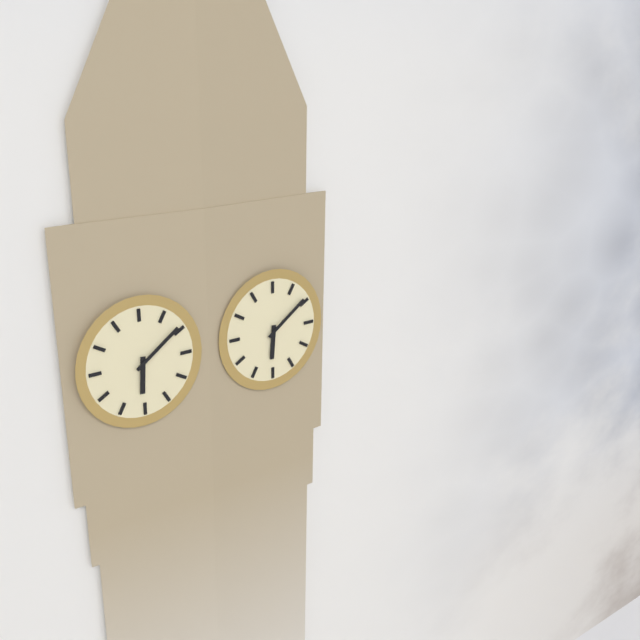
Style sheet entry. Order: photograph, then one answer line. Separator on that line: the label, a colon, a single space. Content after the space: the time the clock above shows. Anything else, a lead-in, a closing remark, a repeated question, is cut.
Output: 6:09
